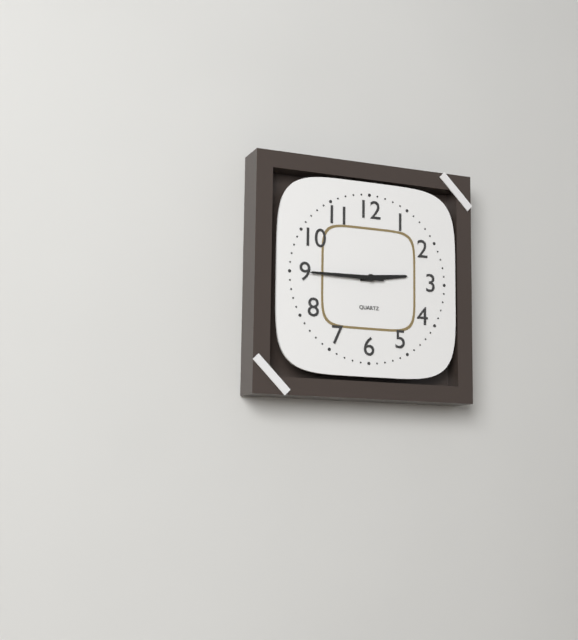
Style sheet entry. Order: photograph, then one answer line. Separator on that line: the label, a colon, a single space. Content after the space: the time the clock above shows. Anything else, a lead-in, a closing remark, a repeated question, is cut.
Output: 2:45
